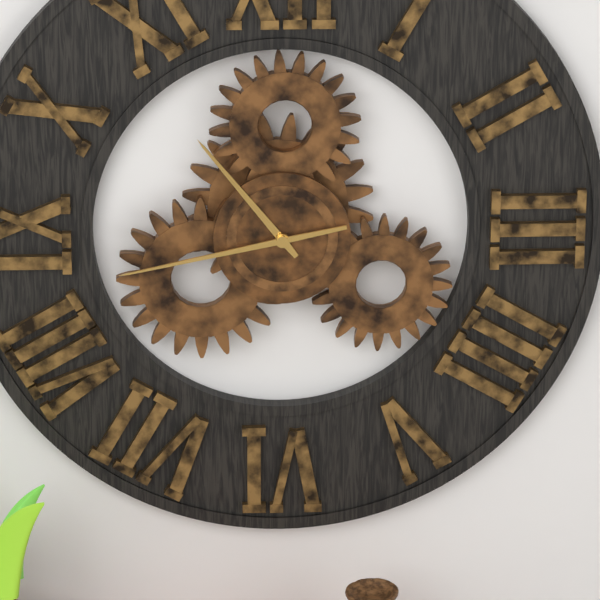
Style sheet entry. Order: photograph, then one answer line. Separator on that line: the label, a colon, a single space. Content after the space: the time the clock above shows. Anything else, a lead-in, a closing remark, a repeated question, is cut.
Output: 10:43
